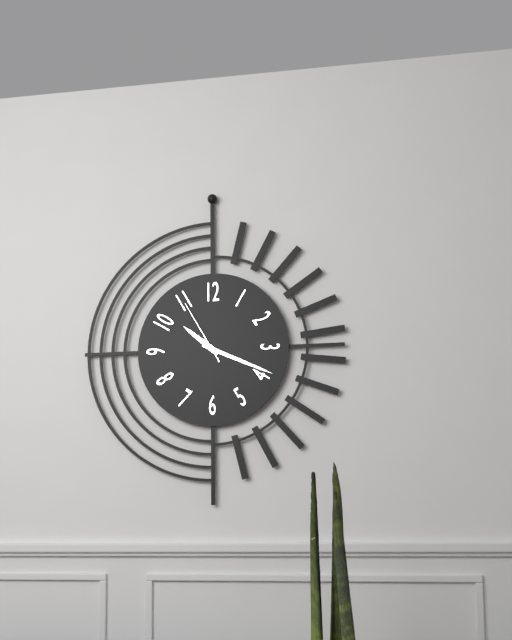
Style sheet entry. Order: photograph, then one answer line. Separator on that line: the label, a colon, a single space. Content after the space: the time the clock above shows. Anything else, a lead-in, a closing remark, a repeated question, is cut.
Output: 10:19:55
